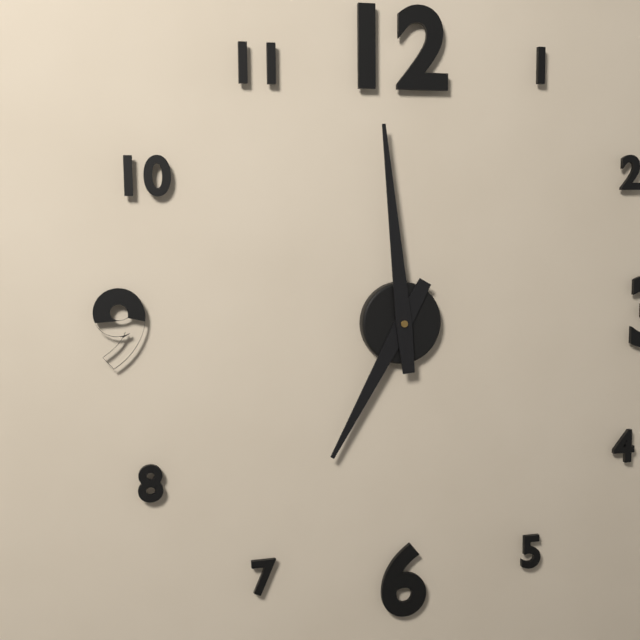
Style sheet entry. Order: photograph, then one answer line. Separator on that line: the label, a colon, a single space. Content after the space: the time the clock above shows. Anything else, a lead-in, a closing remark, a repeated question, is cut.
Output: 6:59
